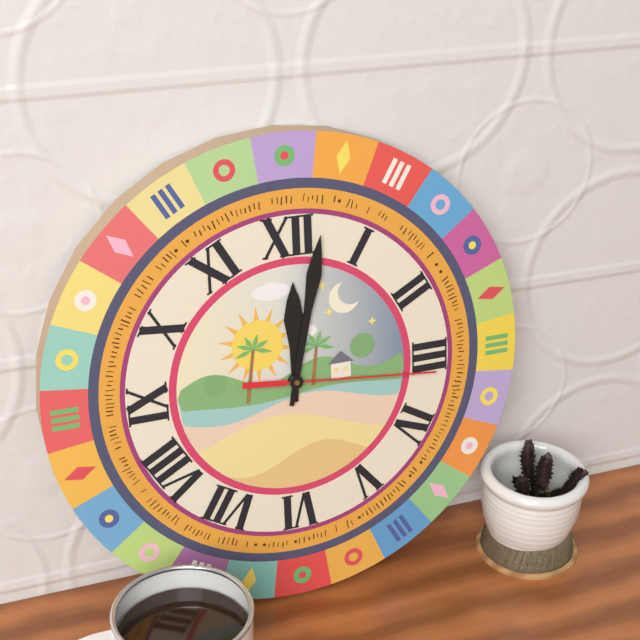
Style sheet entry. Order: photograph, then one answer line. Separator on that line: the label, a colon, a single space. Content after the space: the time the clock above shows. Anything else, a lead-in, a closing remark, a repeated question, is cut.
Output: 12:02:16
